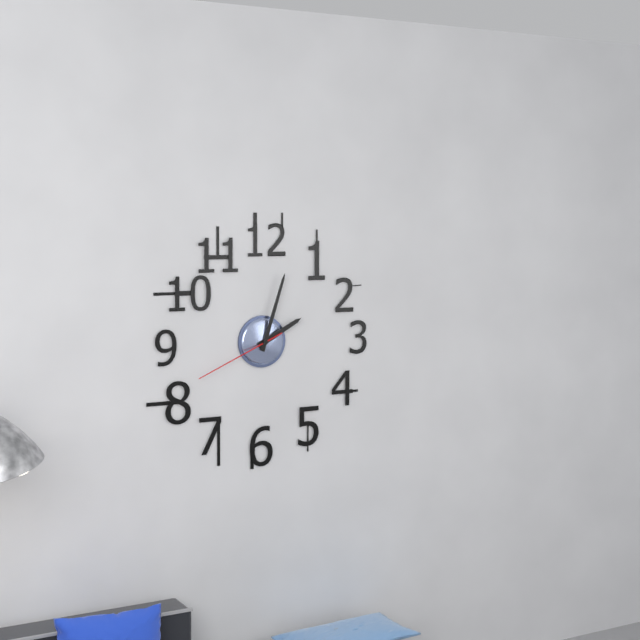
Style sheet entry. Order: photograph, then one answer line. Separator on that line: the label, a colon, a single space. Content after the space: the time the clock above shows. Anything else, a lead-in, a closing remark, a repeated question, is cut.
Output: 2:03:41
